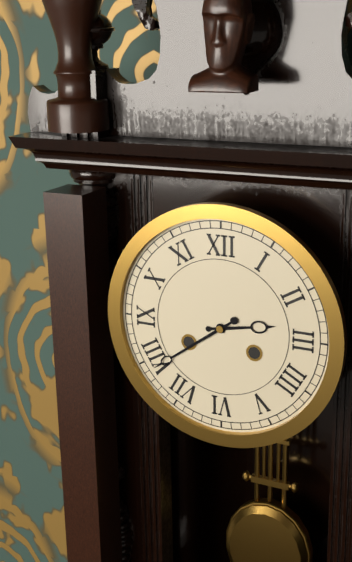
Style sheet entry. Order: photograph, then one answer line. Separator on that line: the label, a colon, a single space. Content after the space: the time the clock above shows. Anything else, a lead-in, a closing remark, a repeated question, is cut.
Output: 2:39
